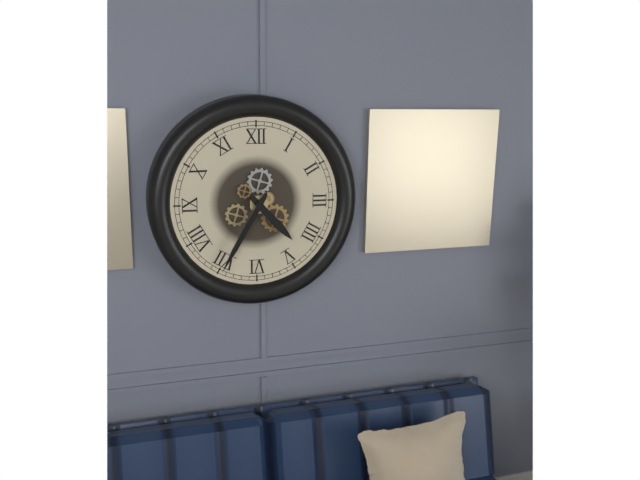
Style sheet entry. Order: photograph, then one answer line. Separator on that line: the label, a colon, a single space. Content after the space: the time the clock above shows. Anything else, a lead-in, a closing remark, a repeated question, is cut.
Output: 4:35
